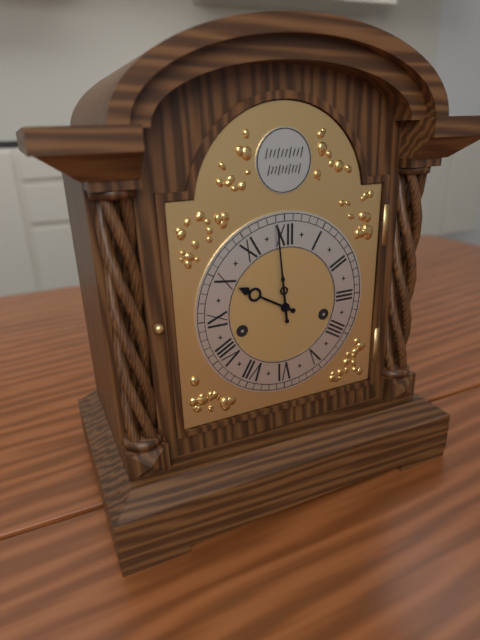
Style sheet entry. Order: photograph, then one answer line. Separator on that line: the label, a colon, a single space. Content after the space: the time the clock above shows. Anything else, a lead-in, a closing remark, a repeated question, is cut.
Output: 9:59
